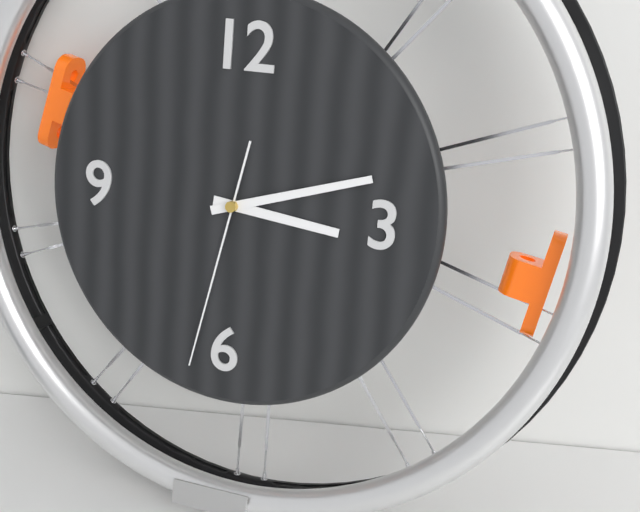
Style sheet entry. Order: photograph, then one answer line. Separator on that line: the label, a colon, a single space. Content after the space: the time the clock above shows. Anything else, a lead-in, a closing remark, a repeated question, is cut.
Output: 3:12:32
